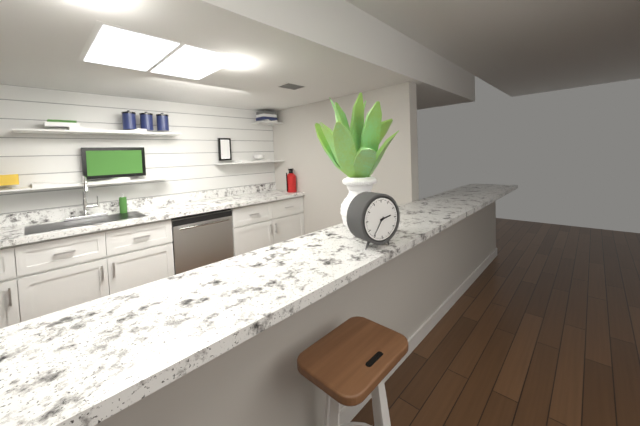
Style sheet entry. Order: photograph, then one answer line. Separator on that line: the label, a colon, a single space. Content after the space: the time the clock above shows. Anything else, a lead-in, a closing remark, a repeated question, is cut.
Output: 2:36
